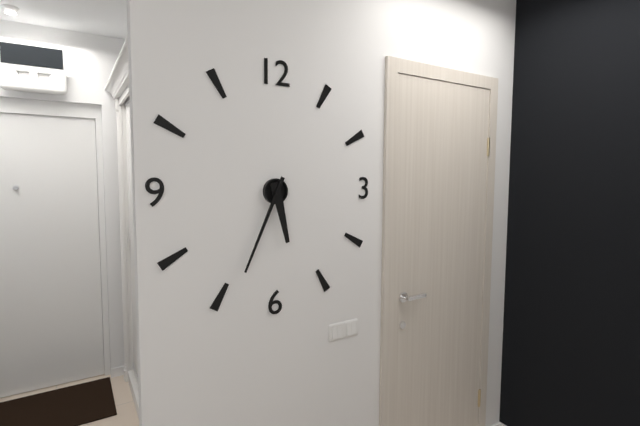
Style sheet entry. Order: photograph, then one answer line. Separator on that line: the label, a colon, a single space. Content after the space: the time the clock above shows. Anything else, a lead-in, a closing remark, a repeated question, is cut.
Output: 5:34
